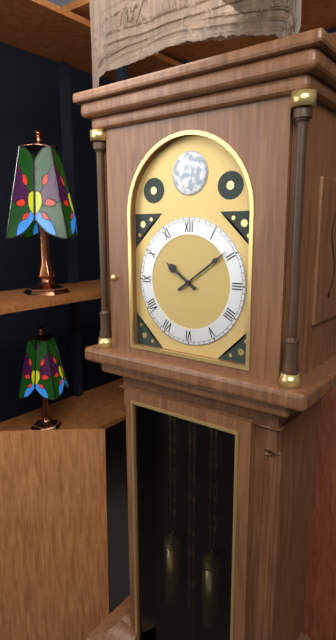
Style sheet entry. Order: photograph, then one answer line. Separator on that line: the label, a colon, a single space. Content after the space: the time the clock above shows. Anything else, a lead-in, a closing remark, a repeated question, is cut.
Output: 10:09
